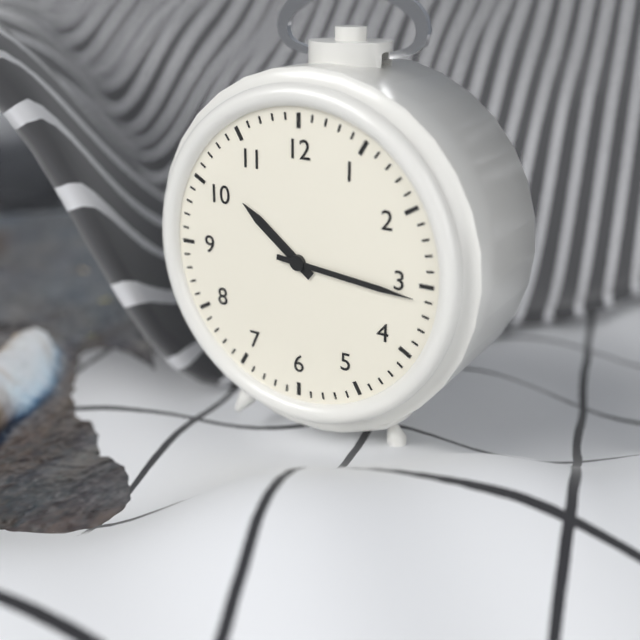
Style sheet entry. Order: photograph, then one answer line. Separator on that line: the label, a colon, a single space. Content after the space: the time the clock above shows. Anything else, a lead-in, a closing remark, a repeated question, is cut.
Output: 10:16
